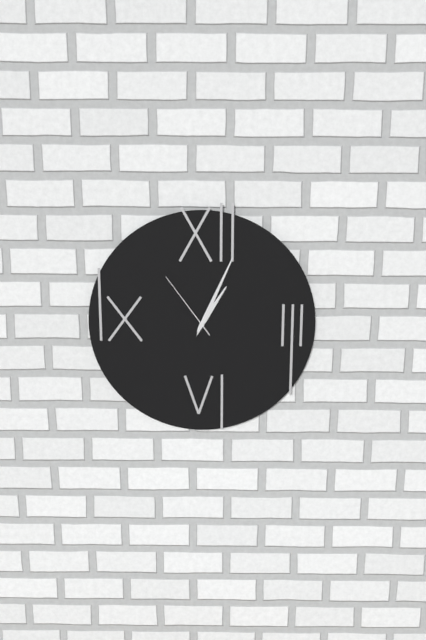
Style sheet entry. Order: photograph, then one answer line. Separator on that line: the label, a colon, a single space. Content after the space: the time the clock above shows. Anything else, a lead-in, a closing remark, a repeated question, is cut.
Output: 1:04:54
